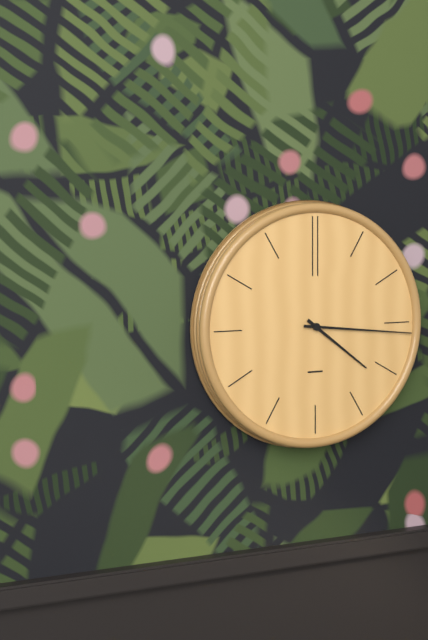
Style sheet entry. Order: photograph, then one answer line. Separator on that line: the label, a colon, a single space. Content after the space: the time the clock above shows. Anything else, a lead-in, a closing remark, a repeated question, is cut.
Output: 4:16
